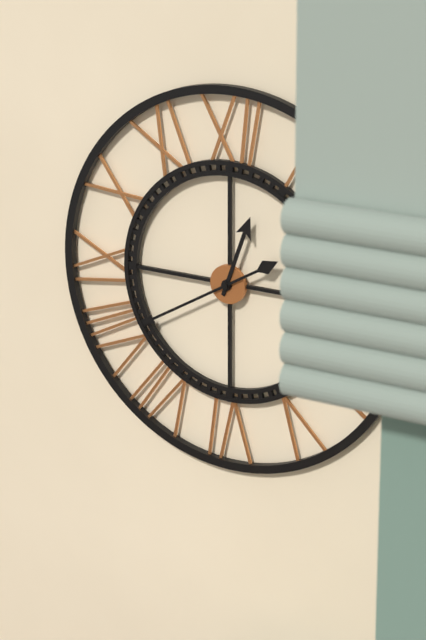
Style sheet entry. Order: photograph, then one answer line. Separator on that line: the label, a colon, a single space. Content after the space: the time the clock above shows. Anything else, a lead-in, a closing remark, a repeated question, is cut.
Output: 12:40
